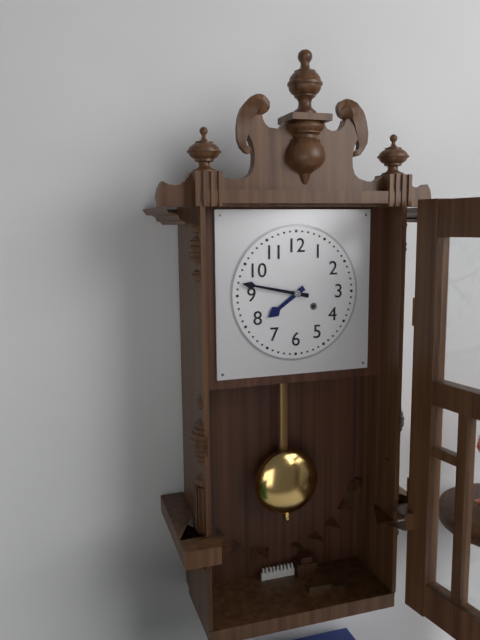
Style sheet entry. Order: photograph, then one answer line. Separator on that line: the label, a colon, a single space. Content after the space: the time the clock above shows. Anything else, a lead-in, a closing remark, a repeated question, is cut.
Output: 7:47
